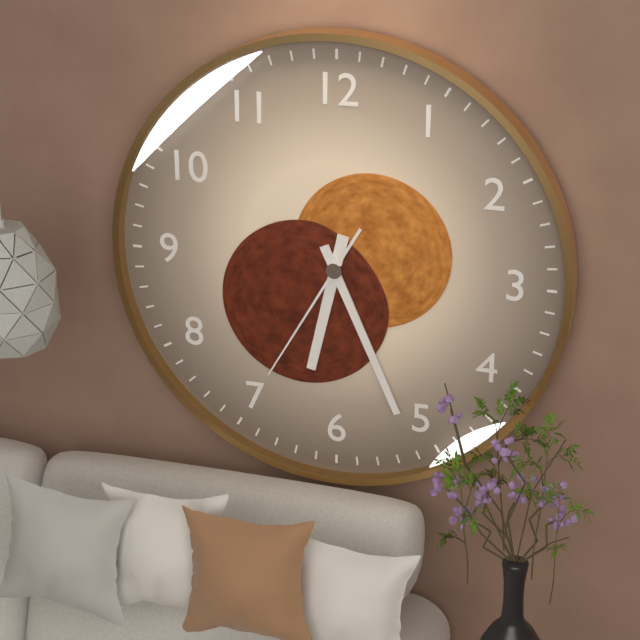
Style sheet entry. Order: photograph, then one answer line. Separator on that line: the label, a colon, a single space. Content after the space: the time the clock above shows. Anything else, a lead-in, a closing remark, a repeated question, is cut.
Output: 6:26:35
